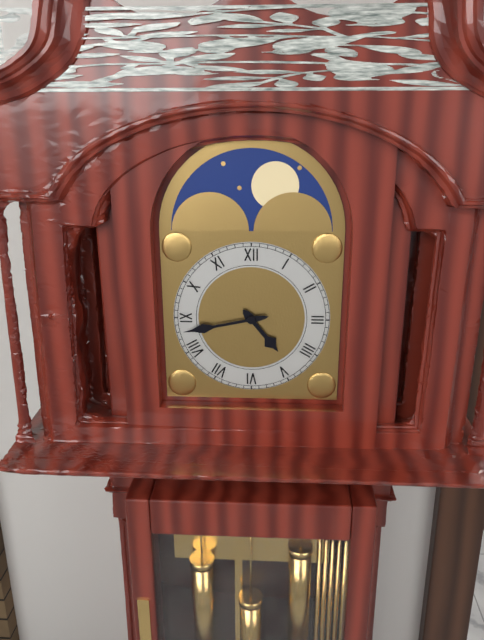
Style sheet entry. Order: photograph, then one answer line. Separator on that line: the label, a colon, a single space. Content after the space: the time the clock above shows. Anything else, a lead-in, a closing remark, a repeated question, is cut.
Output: 4:43
